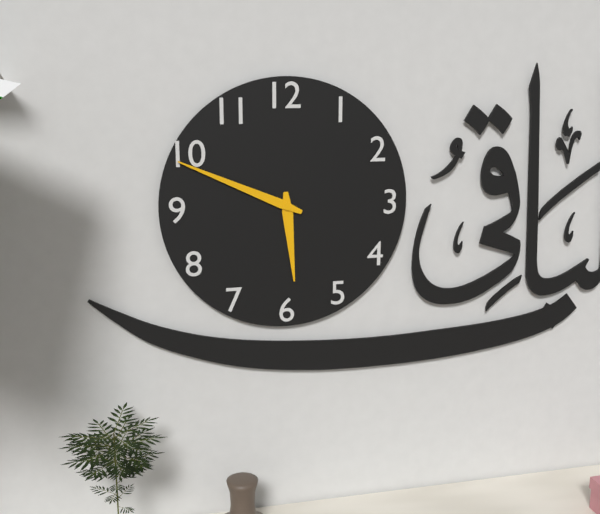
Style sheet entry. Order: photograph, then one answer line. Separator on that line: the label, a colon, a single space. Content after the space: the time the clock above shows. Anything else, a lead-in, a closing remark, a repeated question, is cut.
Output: 5:49
